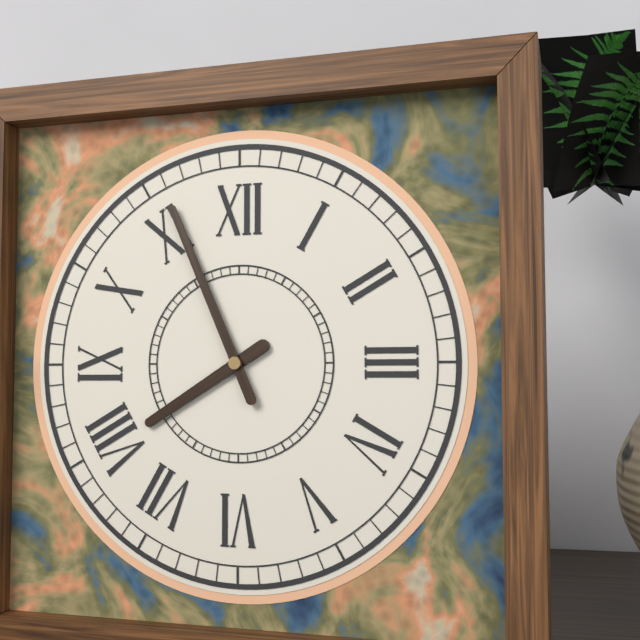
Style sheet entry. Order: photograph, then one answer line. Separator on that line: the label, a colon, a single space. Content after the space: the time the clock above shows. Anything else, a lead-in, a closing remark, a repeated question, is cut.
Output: 7:56
